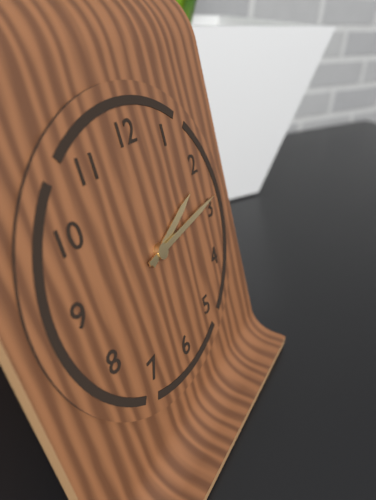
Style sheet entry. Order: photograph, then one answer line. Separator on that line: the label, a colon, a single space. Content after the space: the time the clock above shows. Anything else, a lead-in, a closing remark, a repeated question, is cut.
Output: 2:14
